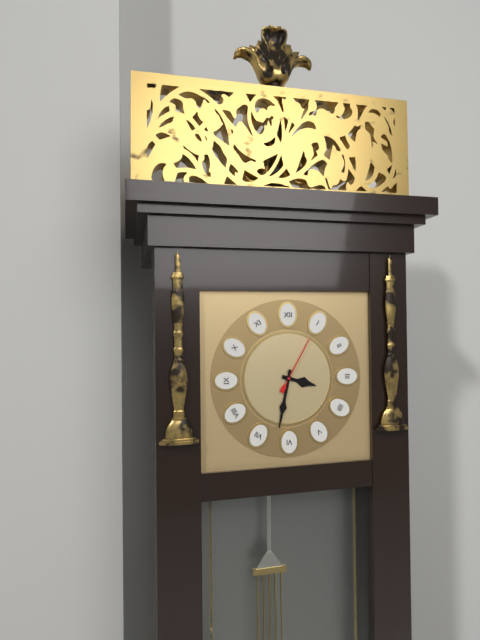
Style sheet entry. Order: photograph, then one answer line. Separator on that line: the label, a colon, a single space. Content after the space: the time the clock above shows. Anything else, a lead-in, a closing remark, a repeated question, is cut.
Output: 3:32:05
